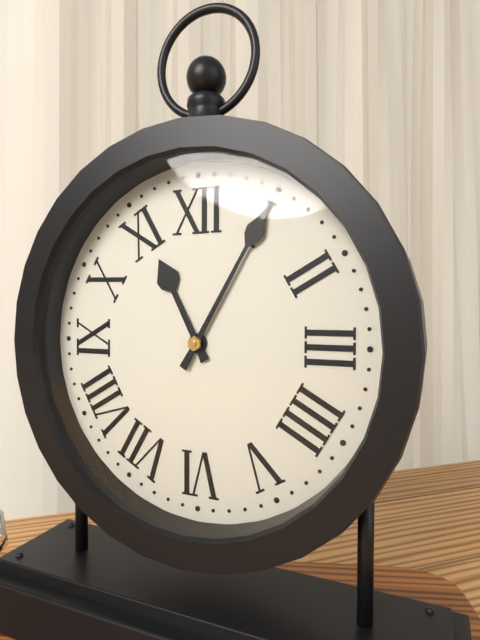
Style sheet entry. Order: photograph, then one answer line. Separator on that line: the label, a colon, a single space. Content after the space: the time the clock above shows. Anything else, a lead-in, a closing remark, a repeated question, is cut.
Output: 11:05
